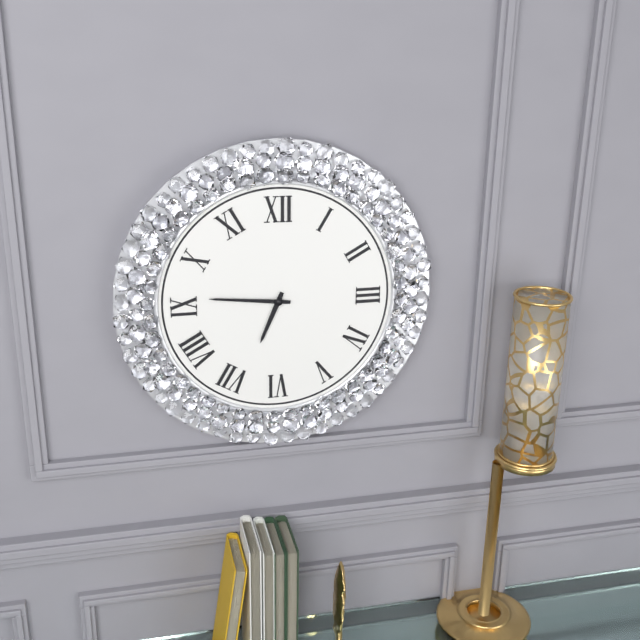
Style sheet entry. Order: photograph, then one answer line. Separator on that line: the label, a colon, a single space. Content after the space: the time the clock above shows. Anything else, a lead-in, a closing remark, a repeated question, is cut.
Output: 6:46
